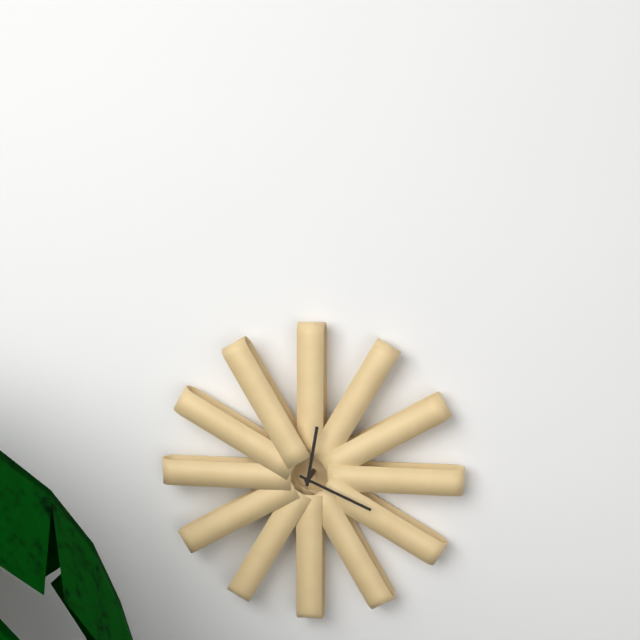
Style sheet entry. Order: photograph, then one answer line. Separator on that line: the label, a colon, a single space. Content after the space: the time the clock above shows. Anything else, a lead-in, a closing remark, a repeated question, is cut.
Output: 12:19
